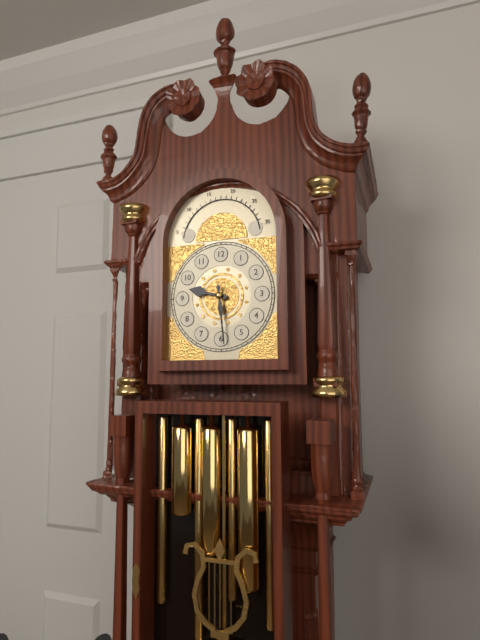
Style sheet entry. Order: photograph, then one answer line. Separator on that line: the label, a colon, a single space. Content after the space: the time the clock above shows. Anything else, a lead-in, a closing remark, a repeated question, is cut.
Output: 9:29
